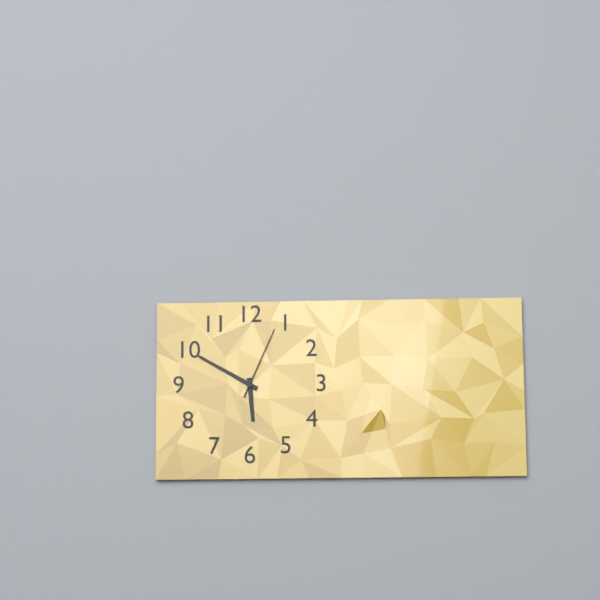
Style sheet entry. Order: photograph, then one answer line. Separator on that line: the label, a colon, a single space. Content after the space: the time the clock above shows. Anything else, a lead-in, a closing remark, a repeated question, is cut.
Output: 5:50:04
